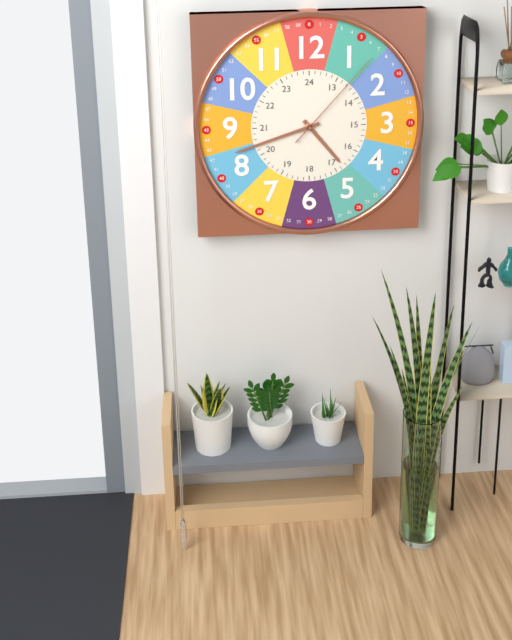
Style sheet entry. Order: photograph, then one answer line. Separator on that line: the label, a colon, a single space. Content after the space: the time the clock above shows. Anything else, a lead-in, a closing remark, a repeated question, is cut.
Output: 4:42:07
